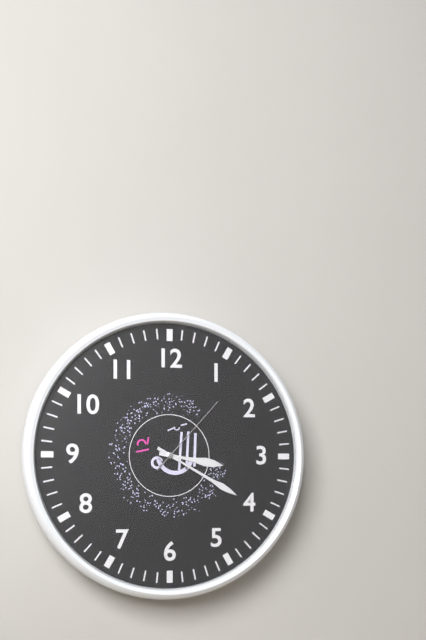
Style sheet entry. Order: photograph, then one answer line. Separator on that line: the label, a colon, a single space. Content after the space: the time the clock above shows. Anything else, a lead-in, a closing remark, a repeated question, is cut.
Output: 3:20:07
